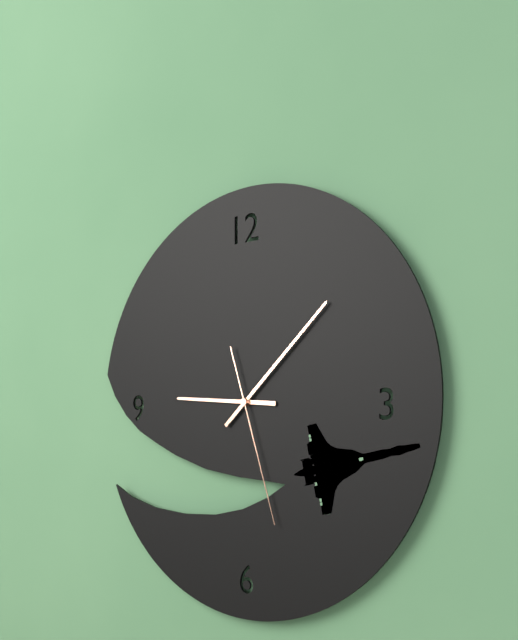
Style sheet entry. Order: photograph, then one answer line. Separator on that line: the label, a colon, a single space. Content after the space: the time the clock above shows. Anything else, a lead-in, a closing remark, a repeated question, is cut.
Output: 9:08:27
